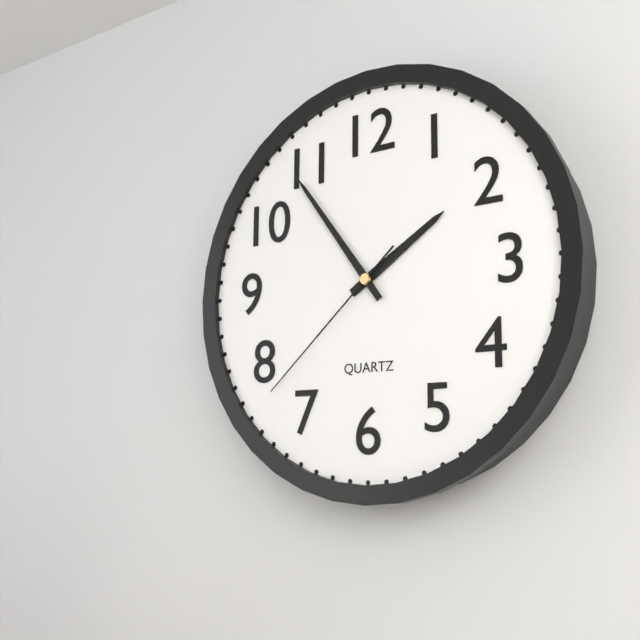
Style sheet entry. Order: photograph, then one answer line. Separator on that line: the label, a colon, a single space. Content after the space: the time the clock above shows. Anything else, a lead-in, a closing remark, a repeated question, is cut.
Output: 1:54:38
